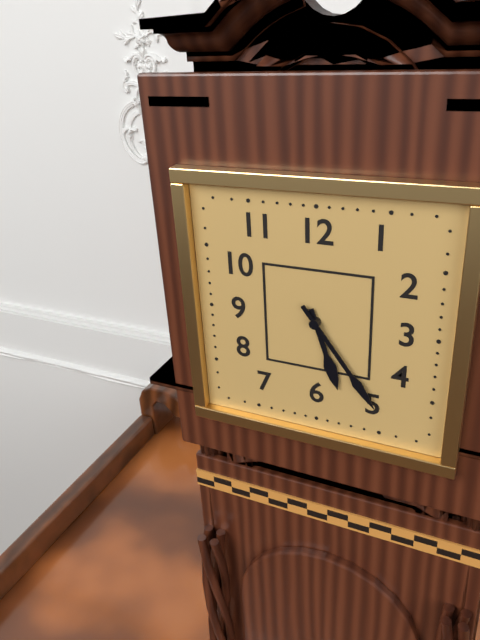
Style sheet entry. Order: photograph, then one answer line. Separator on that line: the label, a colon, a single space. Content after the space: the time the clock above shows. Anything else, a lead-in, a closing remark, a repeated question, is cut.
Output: 5:24
